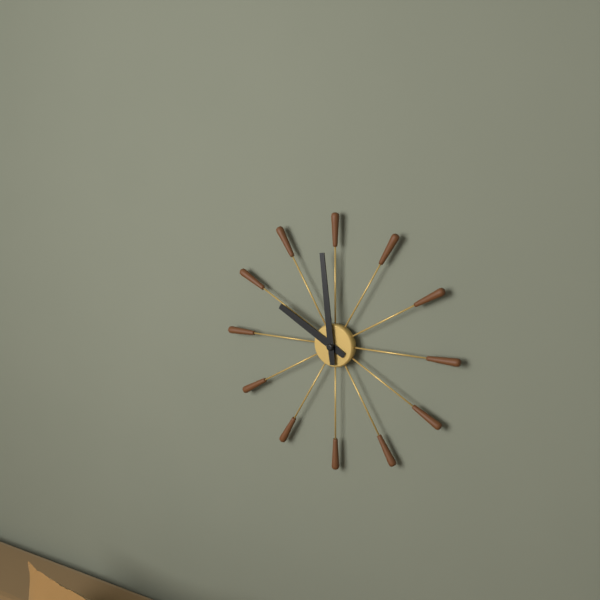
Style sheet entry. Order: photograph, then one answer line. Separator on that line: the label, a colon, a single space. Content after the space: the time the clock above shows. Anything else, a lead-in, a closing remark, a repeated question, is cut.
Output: 9:59
